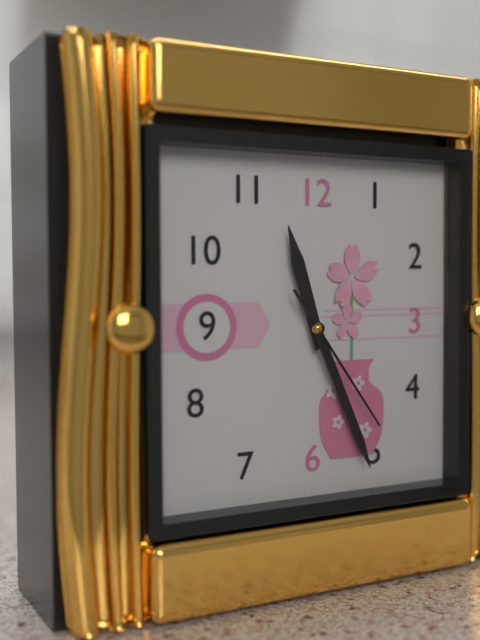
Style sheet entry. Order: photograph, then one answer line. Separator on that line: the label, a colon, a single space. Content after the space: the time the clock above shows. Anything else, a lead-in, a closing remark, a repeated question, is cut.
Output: 11:26:24
